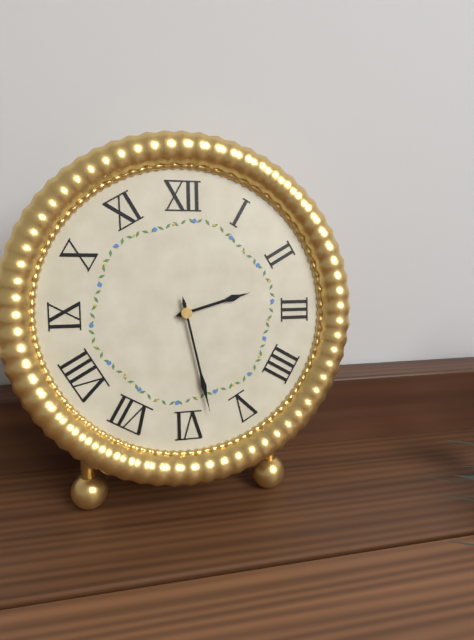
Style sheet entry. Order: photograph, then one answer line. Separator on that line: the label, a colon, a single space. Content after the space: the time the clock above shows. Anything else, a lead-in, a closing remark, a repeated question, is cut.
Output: 2:28
